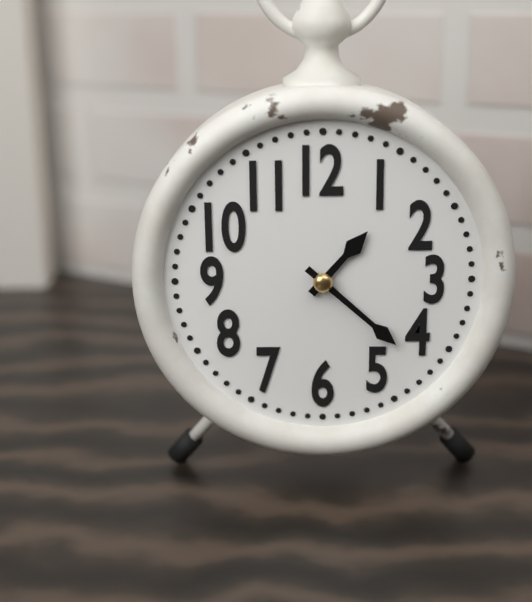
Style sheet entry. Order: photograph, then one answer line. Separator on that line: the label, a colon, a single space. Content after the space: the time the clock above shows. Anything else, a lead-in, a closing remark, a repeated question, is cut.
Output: 1:22
